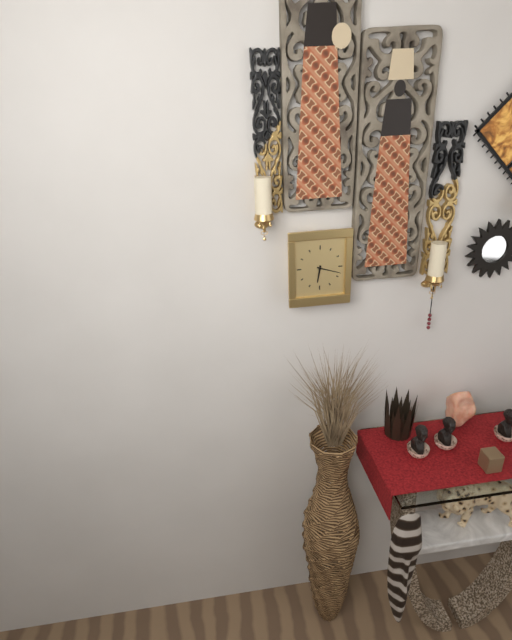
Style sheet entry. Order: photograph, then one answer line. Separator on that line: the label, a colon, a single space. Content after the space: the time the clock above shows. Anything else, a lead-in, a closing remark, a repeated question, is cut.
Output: 6:18
